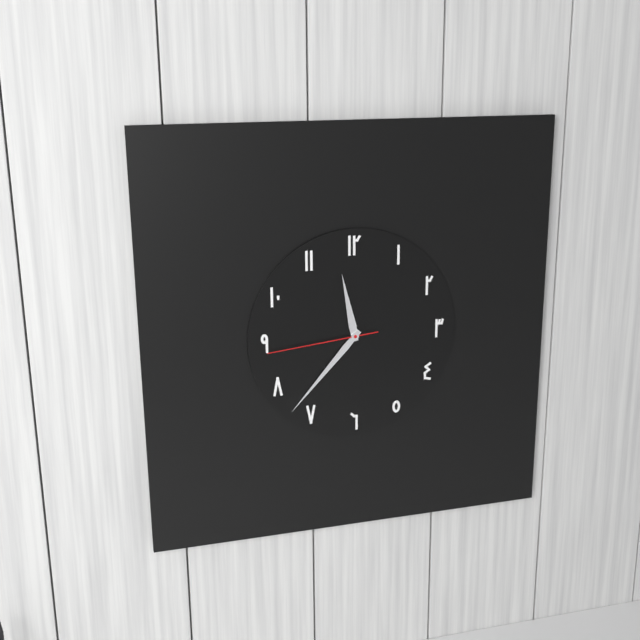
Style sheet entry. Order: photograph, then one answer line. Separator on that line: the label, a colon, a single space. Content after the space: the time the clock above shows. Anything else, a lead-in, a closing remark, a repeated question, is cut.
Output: 11:37:44
